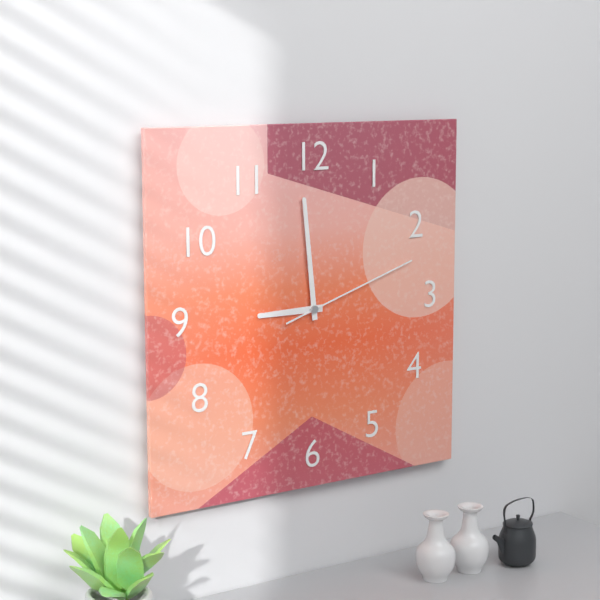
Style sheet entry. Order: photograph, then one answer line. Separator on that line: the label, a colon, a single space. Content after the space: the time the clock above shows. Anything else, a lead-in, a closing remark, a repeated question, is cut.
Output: 8:59:12
